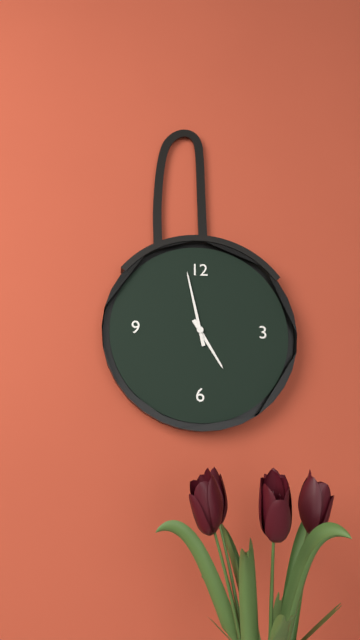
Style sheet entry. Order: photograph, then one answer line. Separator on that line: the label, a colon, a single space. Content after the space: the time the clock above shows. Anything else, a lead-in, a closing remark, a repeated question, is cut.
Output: 4:58
